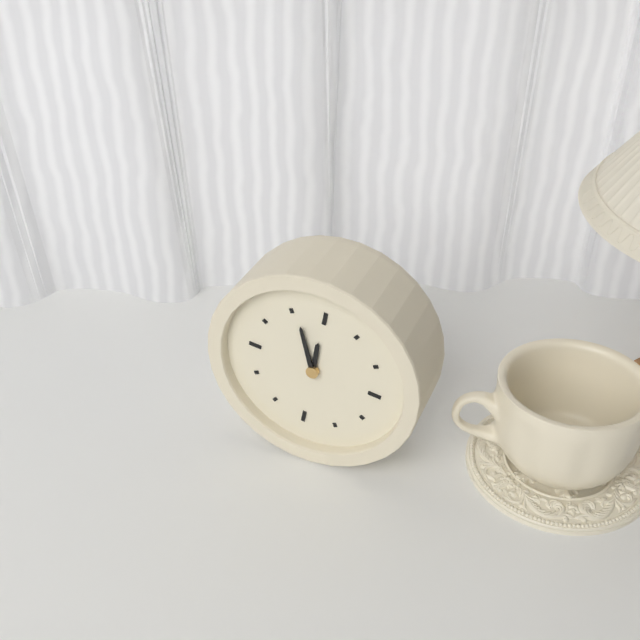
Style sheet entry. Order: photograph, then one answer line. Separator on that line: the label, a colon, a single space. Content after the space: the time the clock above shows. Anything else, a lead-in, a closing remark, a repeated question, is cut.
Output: 11:56
